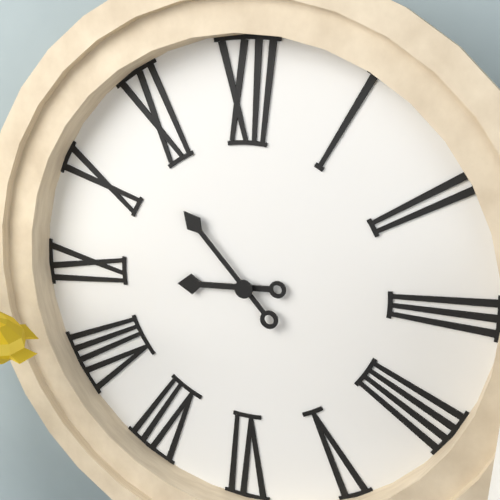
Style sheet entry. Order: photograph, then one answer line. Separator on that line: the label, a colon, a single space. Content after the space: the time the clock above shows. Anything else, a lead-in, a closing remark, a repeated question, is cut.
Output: 8:53
